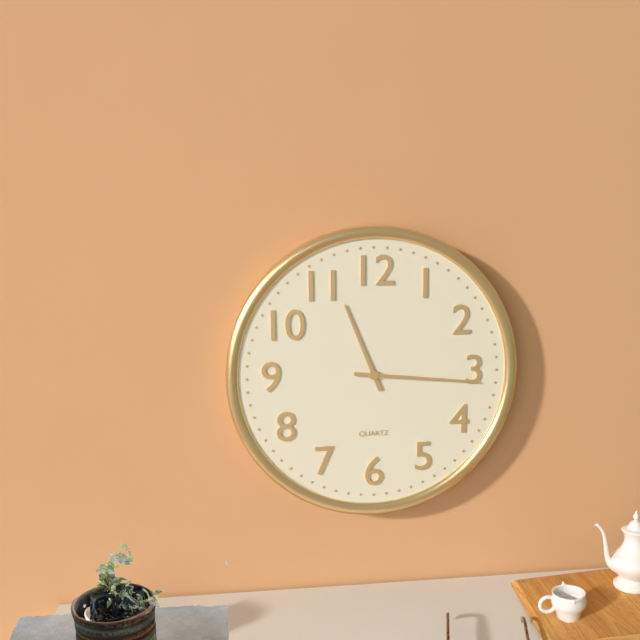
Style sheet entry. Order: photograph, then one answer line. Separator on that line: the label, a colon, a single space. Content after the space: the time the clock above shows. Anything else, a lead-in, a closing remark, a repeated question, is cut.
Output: 11:16
